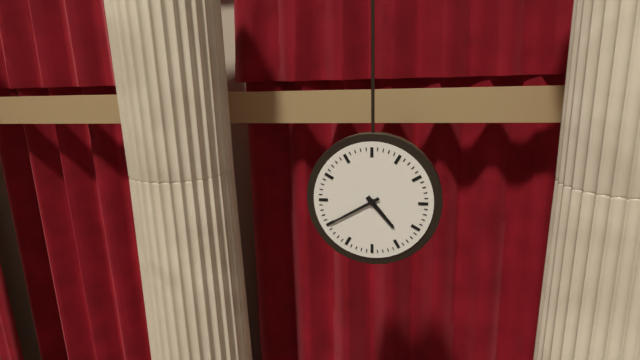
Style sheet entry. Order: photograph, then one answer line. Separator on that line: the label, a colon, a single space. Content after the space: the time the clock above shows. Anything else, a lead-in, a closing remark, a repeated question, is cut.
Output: 4:40
